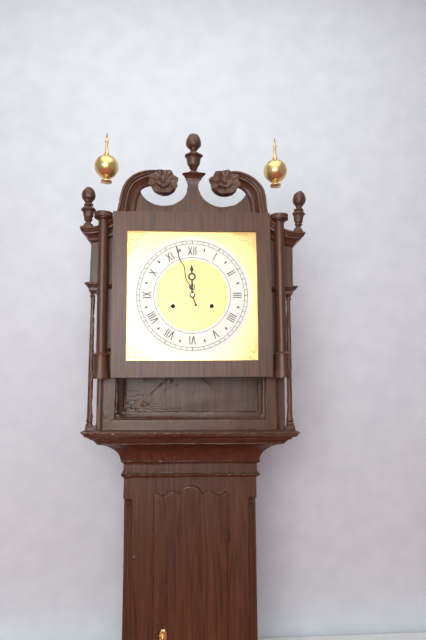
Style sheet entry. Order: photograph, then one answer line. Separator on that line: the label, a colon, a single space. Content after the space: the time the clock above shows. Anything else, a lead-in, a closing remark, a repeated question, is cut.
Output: 11:57
